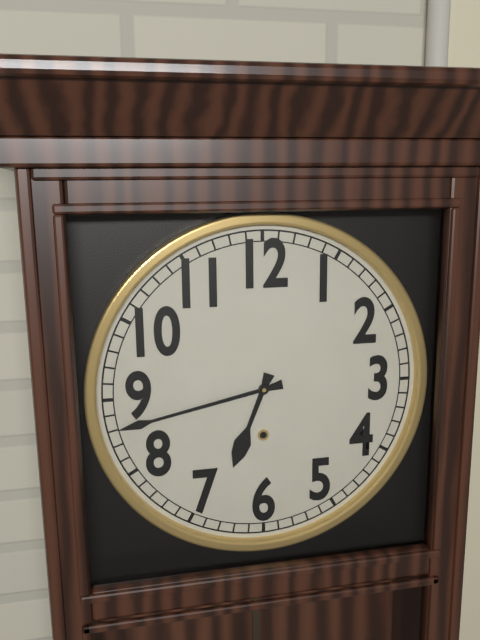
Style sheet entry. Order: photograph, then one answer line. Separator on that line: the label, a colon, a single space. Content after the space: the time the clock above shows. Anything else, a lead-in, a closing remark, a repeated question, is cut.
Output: 6:43
